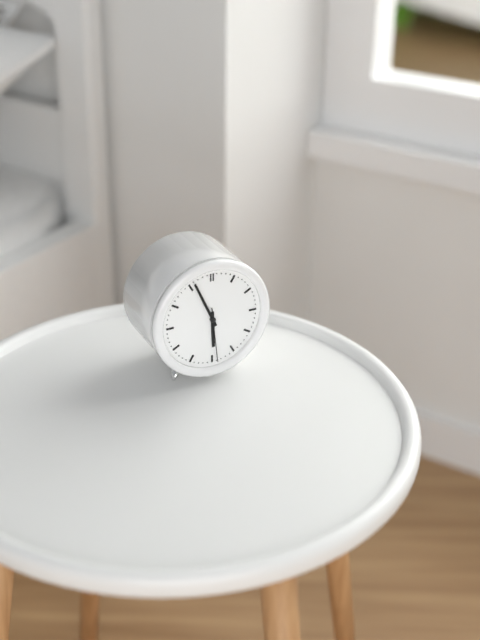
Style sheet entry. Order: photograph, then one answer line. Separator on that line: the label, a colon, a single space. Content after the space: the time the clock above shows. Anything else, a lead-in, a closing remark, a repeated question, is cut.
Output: 5:56:29
